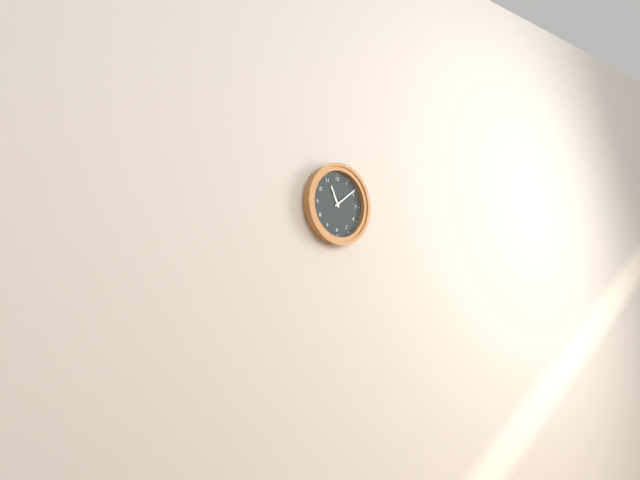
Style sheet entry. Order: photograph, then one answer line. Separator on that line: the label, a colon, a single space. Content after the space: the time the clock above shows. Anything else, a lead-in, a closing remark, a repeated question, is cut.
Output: 11:09
